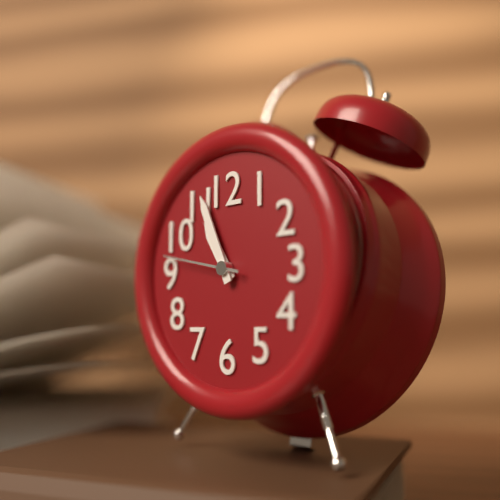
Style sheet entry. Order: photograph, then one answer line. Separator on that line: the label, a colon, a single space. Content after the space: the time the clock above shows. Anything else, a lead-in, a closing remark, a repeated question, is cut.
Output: 10:56:47
